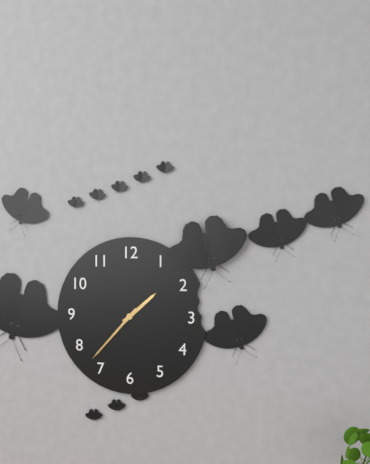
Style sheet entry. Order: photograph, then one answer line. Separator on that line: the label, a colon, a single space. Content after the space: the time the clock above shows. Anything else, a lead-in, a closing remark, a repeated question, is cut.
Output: 1:37
